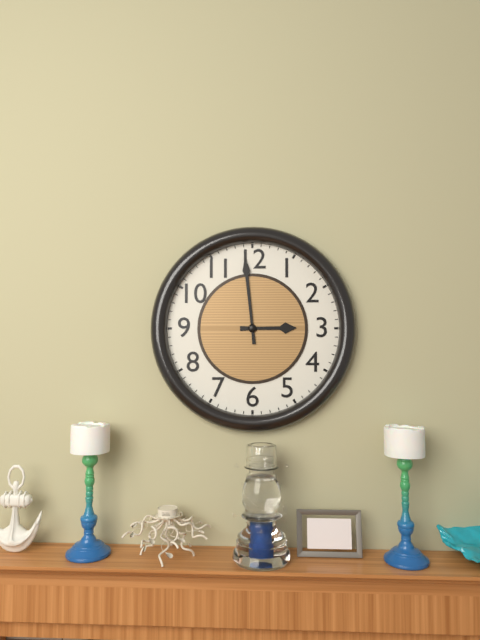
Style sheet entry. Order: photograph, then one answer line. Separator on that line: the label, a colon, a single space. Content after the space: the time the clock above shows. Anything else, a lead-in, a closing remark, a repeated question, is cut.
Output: 2:59
